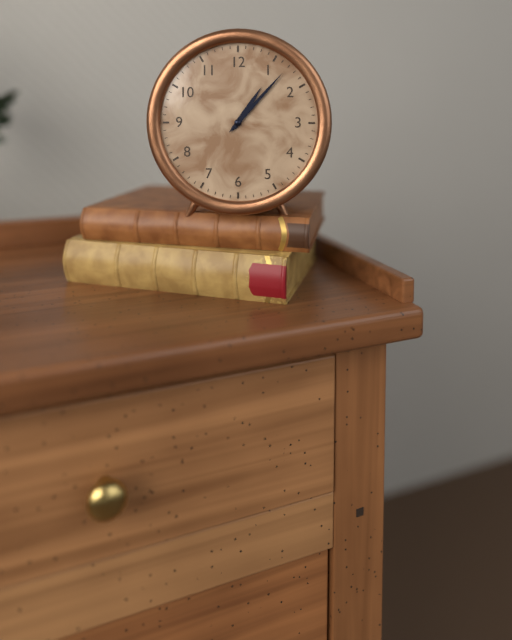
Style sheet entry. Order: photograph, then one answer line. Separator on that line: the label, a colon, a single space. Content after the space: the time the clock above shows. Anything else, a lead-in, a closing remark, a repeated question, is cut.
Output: 1:07
